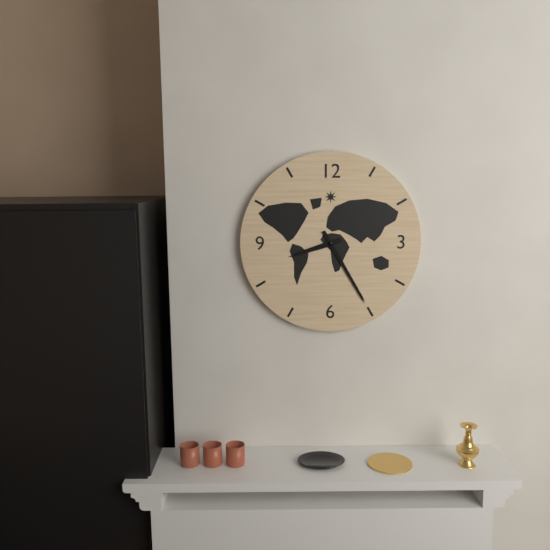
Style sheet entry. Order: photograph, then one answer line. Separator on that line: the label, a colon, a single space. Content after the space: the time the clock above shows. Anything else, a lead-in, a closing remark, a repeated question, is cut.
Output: 8:25
